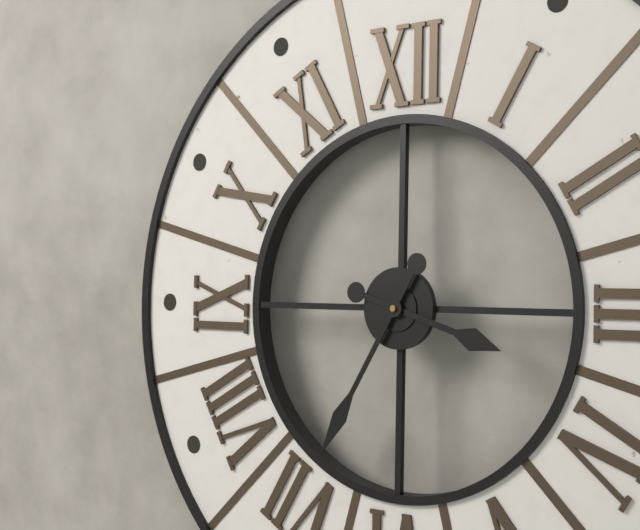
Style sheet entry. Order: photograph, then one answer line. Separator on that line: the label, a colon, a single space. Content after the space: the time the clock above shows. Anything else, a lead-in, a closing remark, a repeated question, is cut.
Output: 3:35
